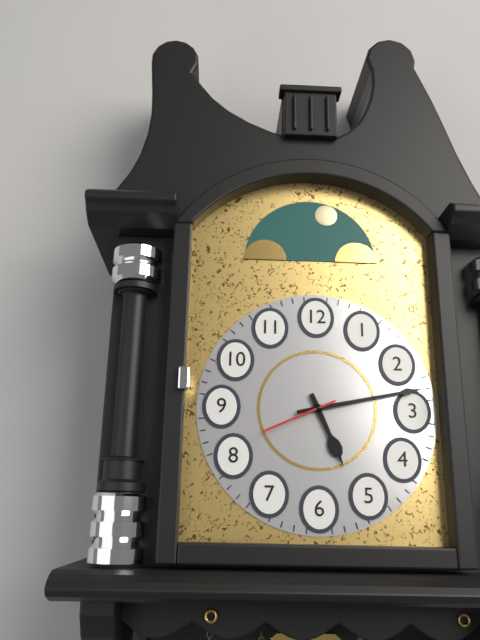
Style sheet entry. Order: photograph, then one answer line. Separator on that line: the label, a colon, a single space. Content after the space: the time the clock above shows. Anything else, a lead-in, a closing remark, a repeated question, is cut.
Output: 5:13:41
